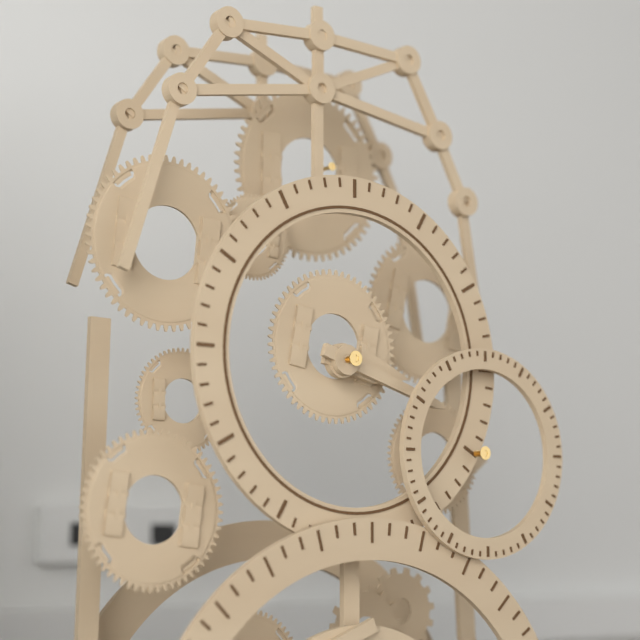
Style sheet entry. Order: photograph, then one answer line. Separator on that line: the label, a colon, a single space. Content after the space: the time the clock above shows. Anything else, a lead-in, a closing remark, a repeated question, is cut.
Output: 3:18
